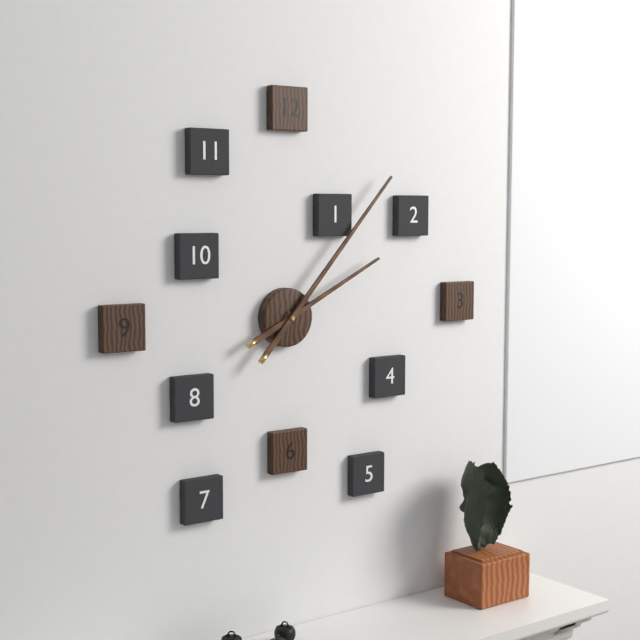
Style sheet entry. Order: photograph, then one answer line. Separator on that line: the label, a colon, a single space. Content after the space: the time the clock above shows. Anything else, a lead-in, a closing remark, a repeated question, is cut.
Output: 2:07
